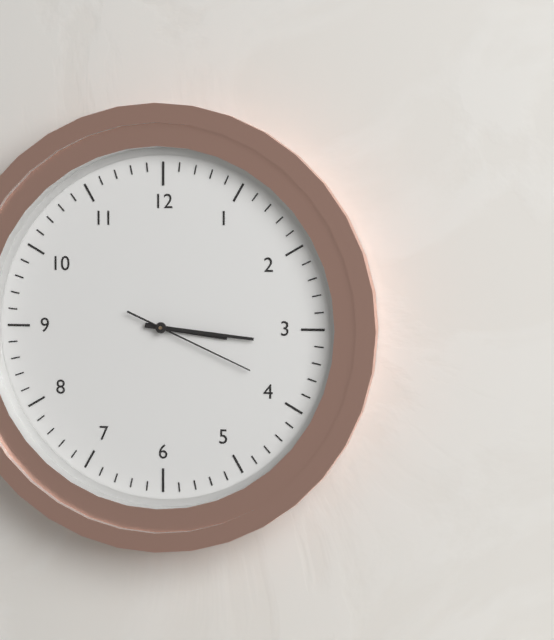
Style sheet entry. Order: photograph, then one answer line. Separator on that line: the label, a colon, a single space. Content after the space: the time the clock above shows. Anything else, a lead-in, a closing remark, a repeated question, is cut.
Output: 3:16:19
